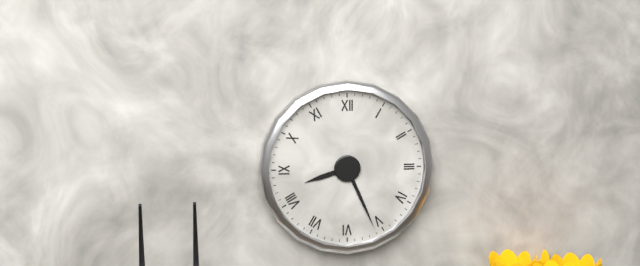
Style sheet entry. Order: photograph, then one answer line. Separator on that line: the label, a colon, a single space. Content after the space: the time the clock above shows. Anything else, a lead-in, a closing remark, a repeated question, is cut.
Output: 8:26
